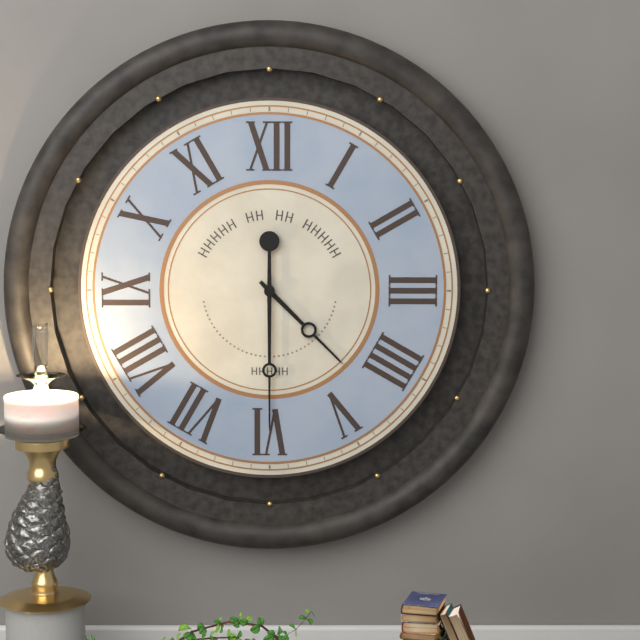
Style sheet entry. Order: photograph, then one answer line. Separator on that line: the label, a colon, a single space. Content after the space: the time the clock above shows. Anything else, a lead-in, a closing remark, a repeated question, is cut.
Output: 4:30
